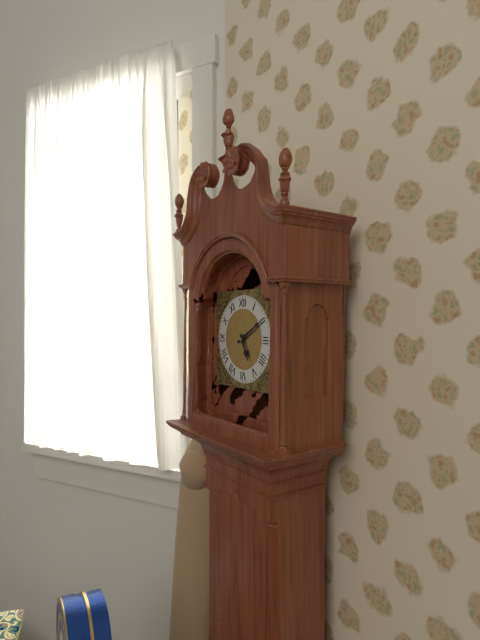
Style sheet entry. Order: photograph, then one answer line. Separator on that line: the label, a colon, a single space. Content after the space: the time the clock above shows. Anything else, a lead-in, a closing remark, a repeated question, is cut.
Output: 5:10
